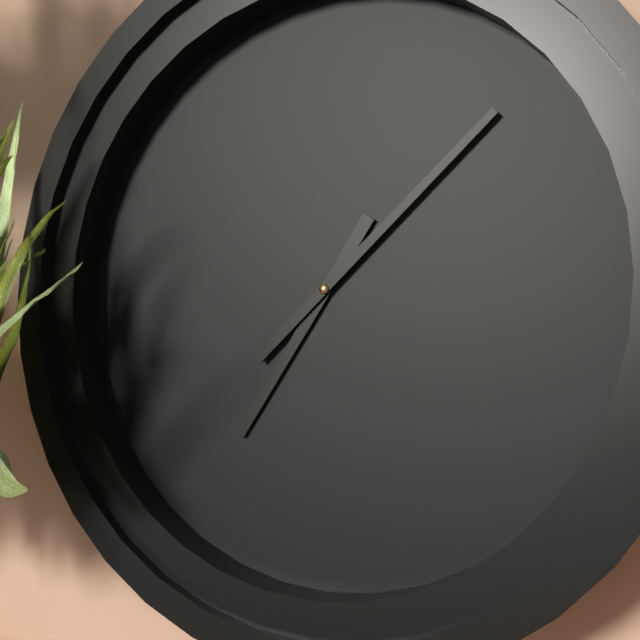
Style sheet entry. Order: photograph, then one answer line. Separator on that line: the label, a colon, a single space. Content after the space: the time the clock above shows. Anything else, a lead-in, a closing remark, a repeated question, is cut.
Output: 7:08
